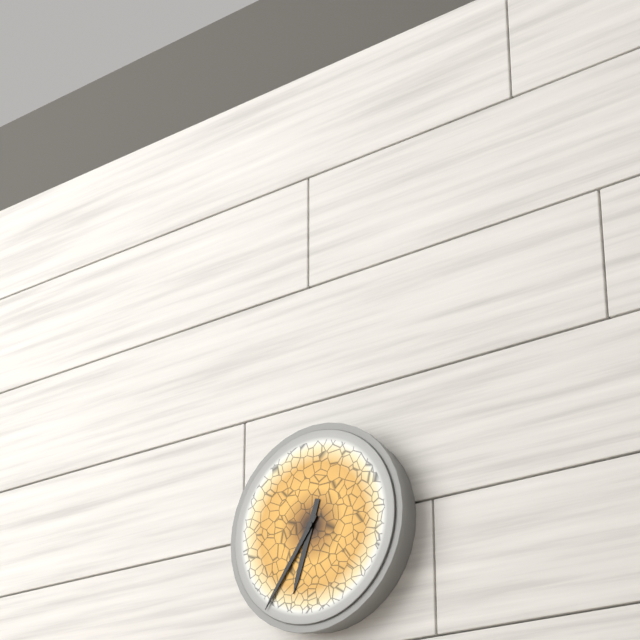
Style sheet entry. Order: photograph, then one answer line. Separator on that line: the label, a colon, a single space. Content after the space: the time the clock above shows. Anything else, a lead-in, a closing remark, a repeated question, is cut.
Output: 6:36
